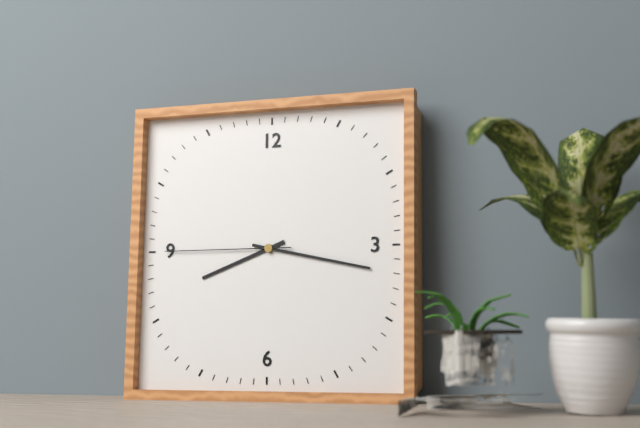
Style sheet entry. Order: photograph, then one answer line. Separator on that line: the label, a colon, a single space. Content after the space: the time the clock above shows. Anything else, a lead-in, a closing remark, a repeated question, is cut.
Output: 8:17:45
